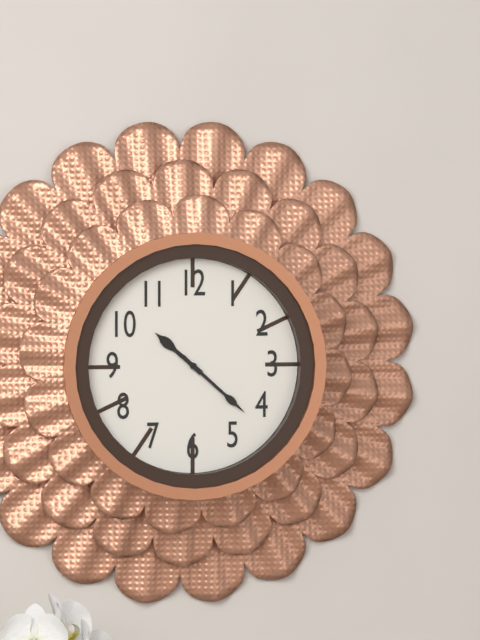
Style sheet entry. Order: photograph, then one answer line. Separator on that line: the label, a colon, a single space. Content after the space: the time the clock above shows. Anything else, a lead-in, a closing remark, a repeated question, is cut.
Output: 10:22
